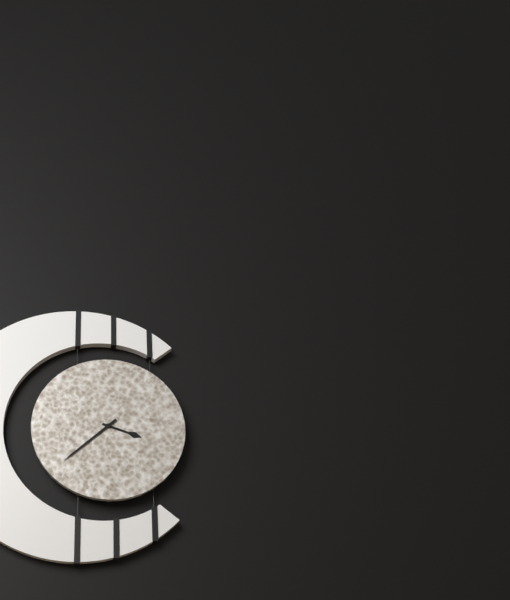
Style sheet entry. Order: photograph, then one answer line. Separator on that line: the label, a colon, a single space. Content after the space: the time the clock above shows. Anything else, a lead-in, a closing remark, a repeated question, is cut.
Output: 3:38
